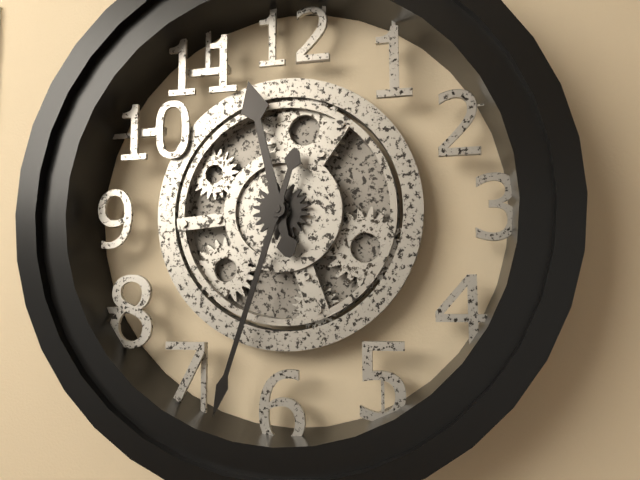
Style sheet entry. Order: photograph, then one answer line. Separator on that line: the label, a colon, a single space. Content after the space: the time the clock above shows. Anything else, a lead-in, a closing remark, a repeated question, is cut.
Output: 11:33
